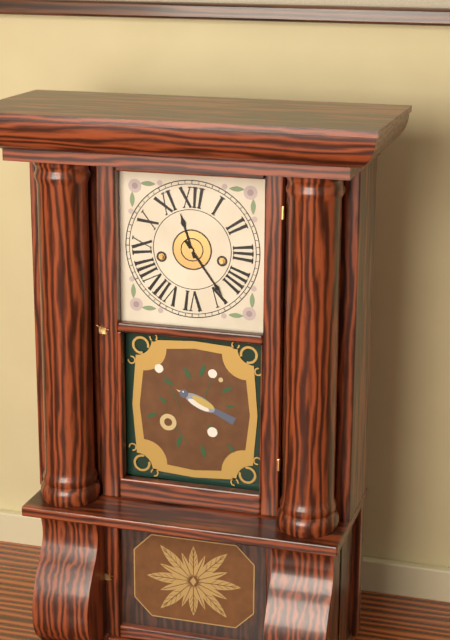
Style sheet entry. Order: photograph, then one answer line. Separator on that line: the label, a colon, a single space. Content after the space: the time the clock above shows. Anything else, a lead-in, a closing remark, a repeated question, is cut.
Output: 11:24
